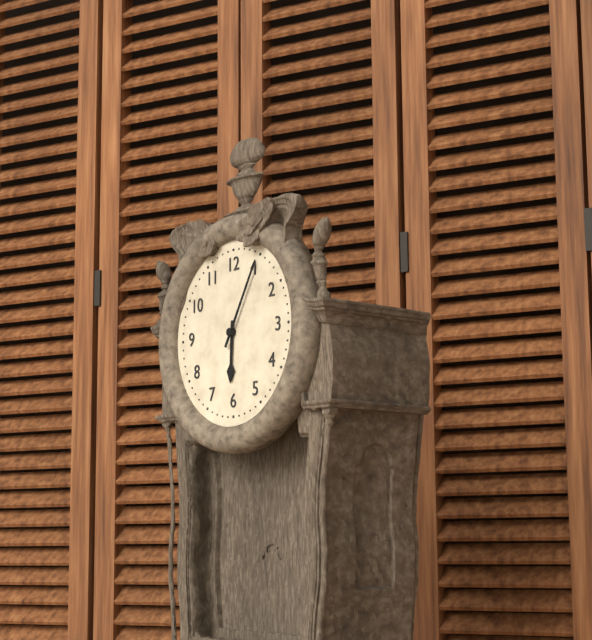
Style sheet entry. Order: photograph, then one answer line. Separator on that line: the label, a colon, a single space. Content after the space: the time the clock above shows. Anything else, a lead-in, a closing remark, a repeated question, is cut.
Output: 6:05
